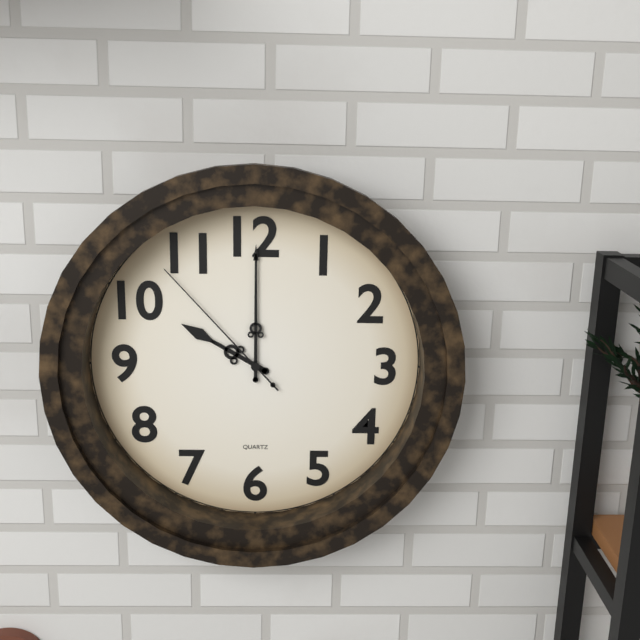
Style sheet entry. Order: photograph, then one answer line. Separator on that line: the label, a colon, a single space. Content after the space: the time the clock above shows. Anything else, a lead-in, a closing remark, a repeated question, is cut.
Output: 10:00:53
